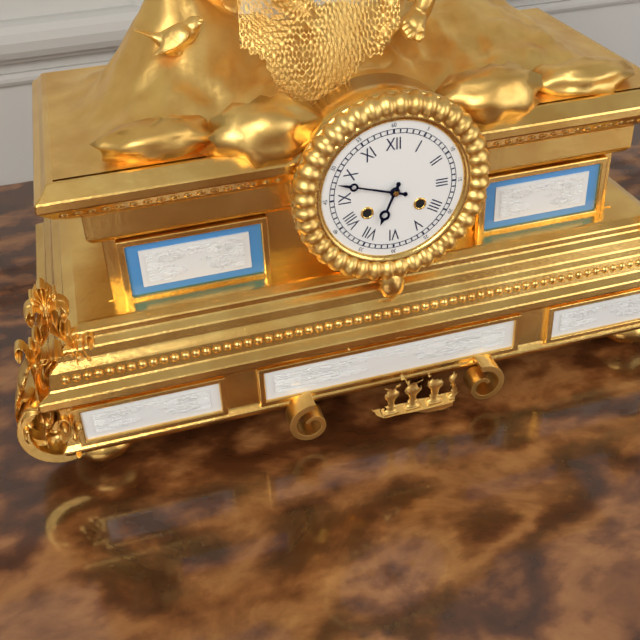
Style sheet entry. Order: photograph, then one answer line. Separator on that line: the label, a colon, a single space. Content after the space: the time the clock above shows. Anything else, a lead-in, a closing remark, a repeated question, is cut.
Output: 6:48
